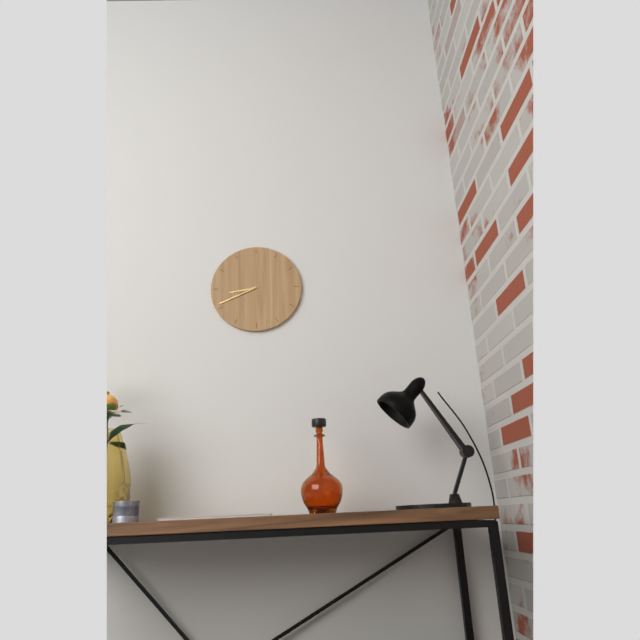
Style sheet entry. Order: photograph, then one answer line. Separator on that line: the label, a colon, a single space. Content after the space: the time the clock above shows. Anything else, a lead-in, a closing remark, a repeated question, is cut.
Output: 8:41
